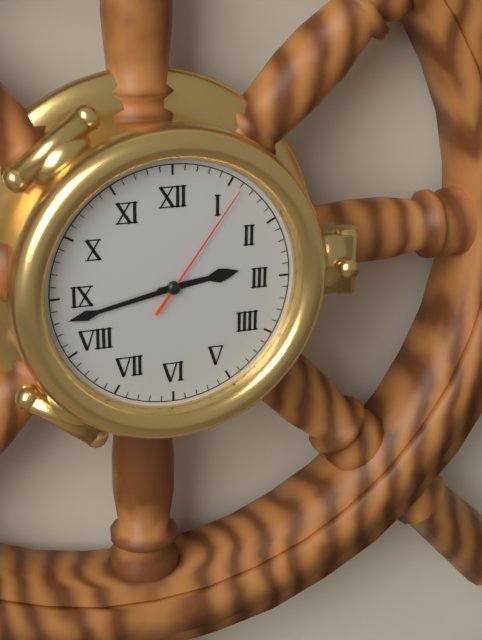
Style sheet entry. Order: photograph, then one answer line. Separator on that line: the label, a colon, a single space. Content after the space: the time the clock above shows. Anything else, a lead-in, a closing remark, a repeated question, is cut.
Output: 2:43:06
